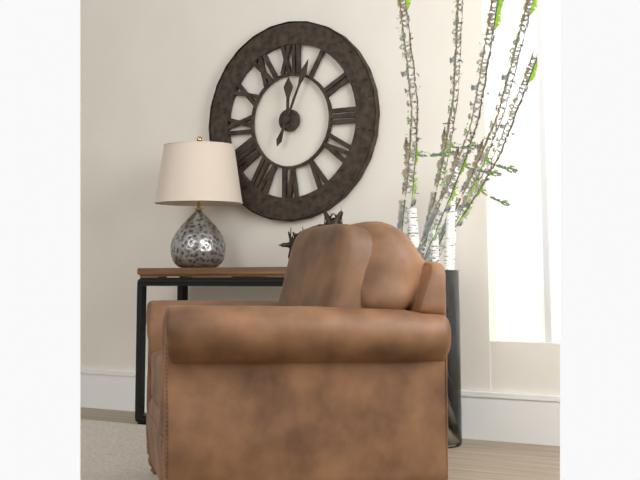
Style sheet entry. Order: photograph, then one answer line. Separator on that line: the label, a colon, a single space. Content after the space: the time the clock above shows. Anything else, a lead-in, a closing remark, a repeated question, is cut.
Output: 12:04
